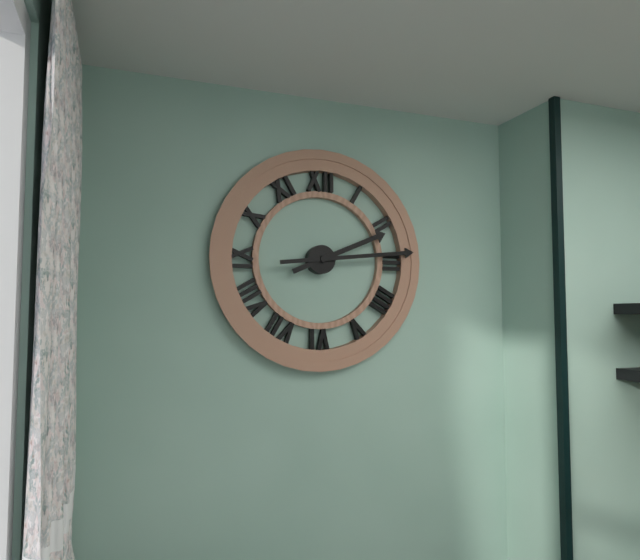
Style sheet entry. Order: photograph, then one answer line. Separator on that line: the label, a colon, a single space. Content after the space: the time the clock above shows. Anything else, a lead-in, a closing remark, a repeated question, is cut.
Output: 2:14
